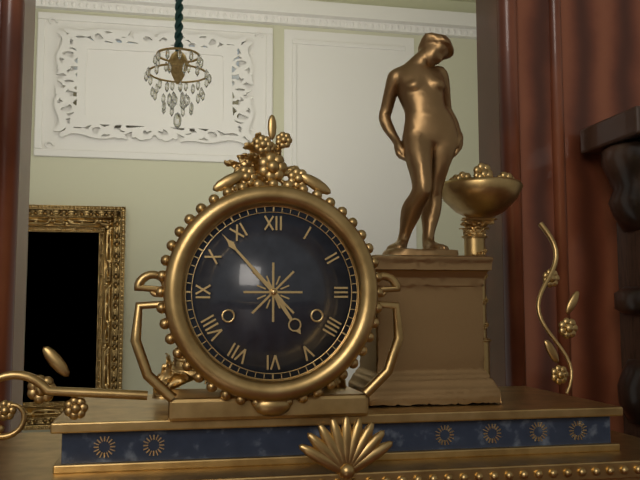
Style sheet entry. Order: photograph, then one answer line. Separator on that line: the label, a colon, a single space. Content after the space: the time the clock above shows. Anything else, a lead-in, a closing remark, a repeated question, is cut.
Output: 4:53
